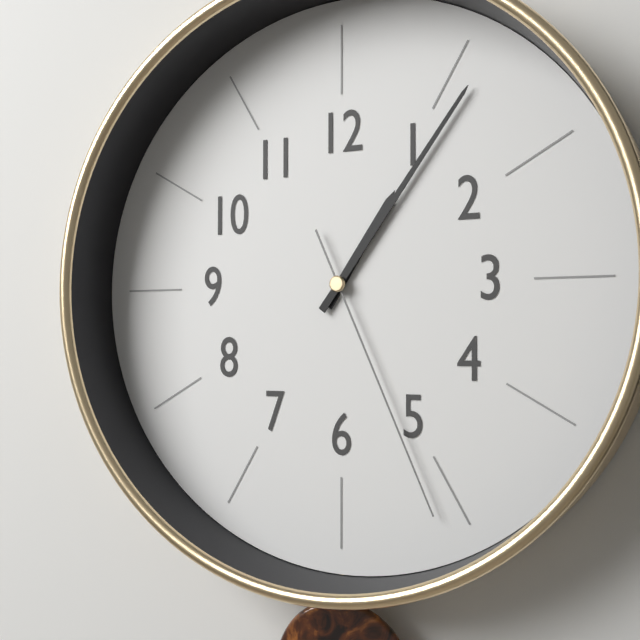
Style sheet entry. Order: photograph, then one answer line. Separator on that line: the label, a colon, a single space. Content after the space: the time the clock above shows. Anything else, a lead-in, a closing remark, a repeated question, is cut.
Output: 1:06:26
